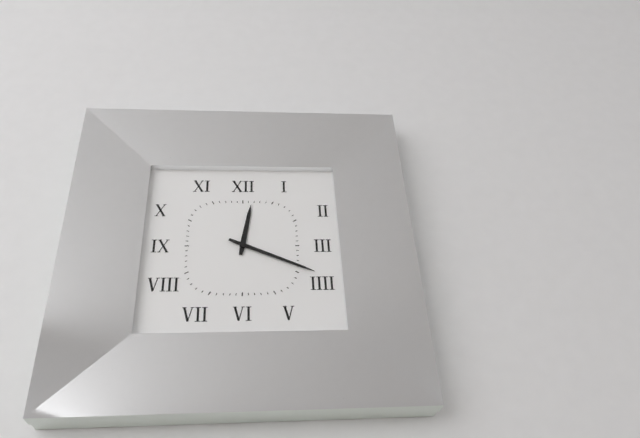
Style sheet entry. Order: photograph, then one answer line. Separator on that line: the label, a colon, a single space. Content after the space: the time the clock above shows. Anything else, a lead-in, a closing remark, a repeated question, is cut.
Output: 12:19
